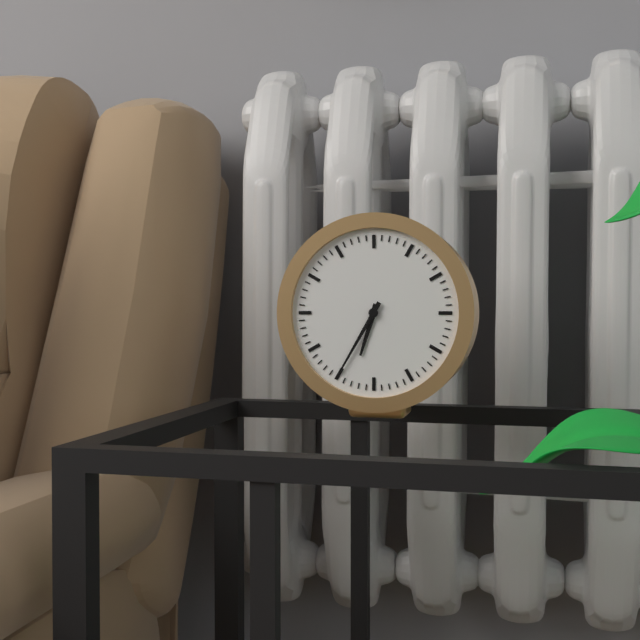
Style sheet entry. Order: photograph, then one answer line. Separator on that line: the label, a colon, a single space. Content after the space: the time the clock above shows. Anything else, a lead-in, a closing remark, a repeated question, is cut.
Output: 6:35
